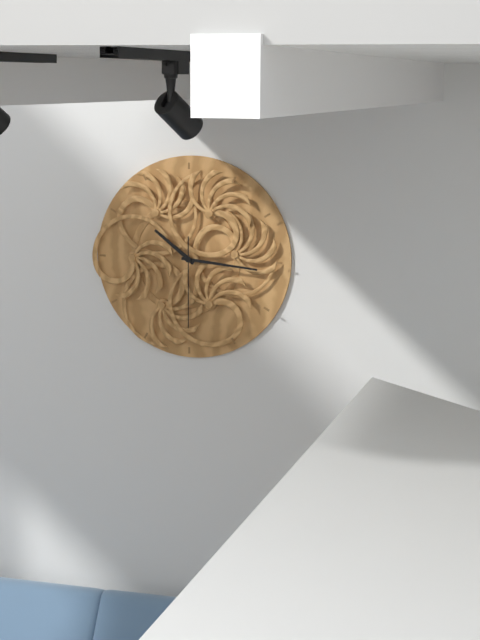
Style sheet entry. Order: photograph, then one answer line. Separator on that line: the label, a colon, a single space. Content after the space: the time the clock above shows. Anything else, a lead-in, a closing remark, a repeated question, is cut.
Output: 10:16:30
